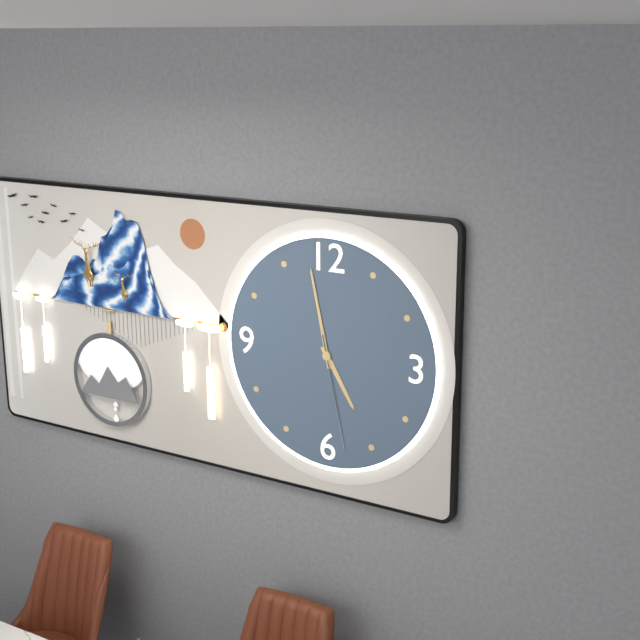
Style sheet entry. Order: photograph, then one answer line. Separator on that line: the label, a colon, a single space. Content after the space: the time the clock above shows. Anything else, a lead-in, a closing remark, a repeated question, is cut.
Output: 4:58:28
